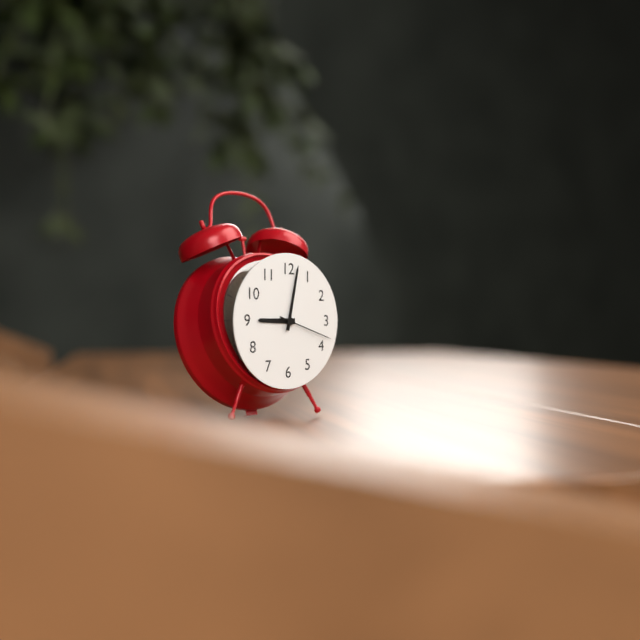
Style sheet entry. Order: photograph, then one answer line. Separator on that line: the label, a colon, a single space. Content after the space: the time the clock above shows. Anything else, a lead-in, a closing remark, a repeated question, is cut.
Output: 9:02:18
